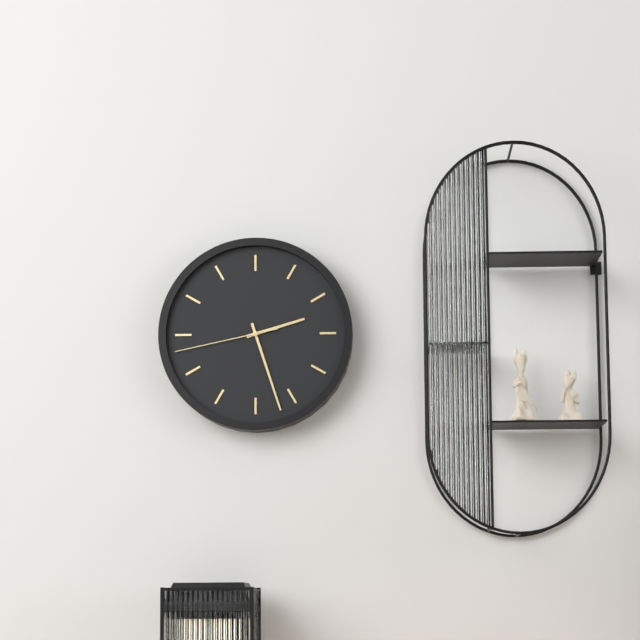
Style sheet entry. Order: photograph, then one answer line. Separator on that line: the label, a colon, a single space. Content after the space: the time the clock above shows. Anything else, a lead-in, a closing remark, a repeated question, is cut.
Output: 2:27:43
